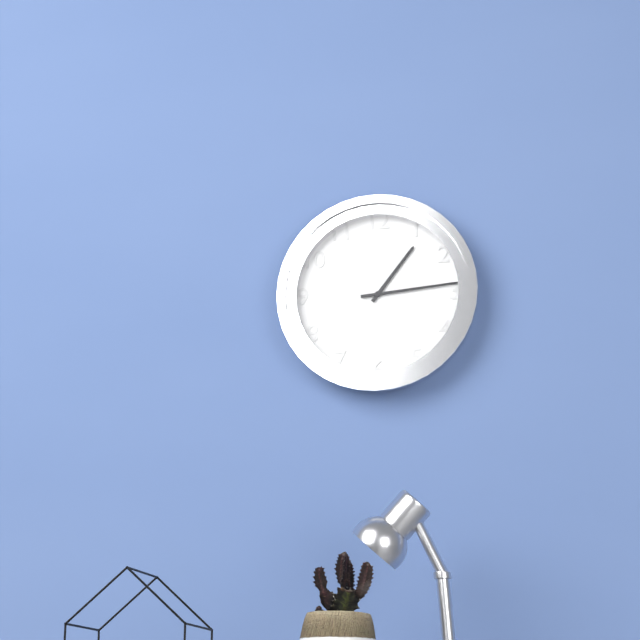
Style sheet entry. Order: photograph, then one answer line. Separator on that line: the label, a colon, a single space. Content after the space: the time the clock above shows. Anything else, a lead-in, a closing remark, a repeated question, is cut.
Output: 1:14
